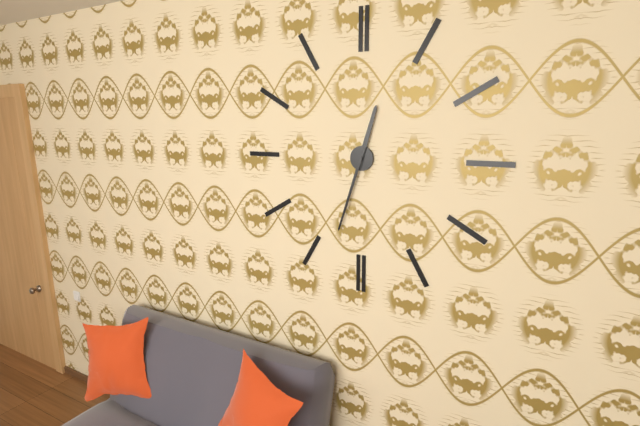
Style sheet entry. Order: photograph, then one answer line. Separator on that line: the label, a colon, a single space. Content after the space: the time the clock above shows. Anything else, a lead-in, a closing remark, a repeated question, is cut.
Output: 12:33
